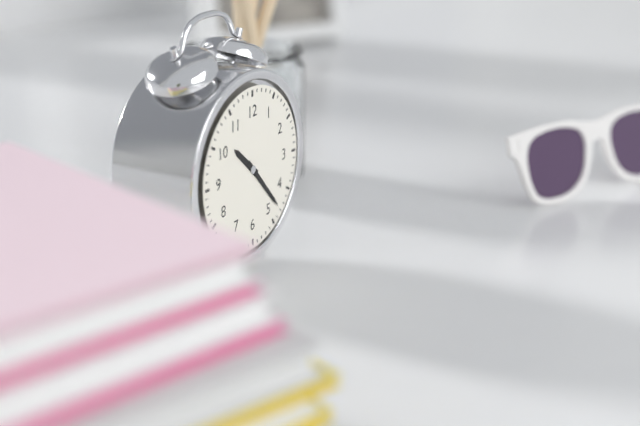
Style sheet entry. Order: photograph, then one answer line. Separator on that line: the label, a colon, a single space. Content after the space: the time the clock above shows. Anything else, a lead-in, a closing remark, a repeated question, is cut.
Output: 10:23
